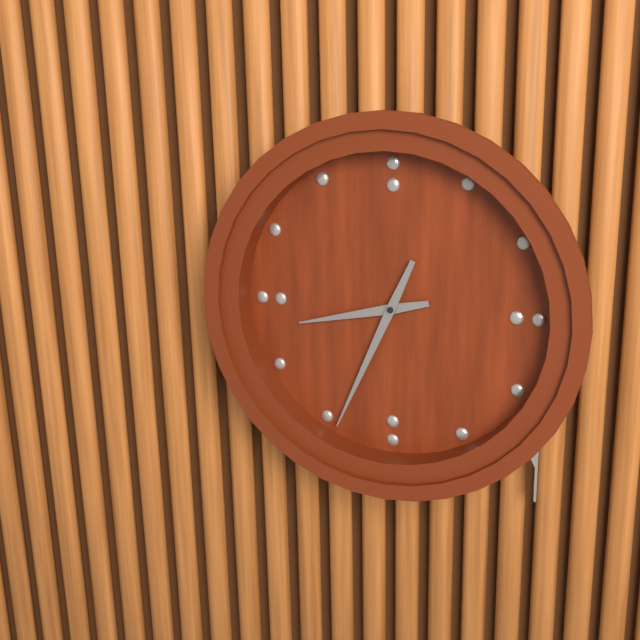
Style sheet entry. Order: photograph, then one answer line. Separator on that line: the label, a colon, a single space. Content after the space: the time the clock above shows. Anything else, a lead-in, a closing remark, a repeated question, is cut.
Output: 8:34
